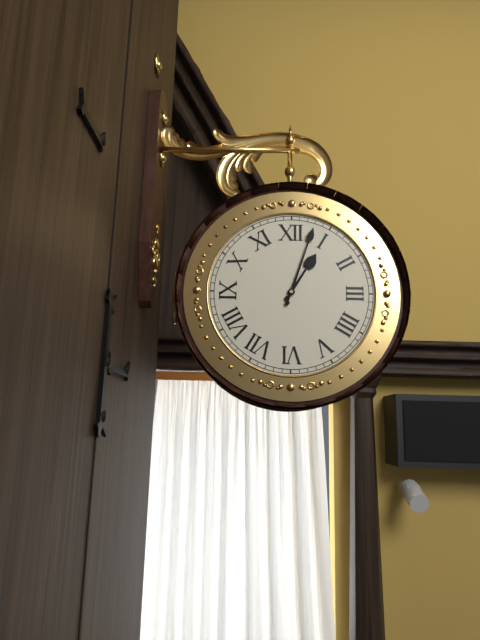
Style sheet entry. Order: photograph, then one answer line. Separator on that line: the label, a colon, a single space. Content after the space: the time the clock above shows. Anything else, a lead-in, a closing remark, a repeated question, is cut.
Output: 1:03
